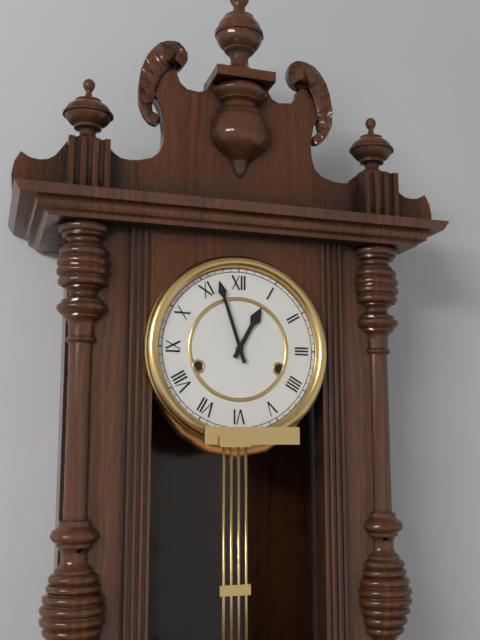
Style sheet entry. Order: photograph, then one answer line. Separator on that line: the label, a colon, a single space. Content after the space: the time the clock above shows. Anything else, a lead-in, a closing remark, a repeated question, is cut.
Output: 12:57
